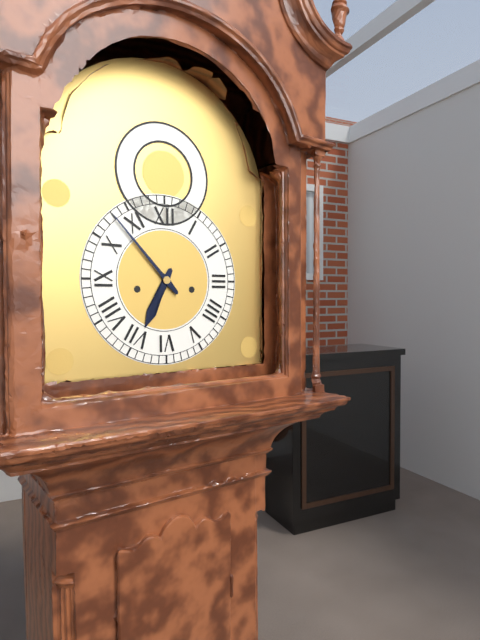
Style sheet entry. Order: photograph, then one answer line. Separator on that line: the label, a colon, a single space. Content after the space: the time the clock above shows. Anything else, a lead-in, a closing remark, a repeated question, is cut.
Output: 6:53
